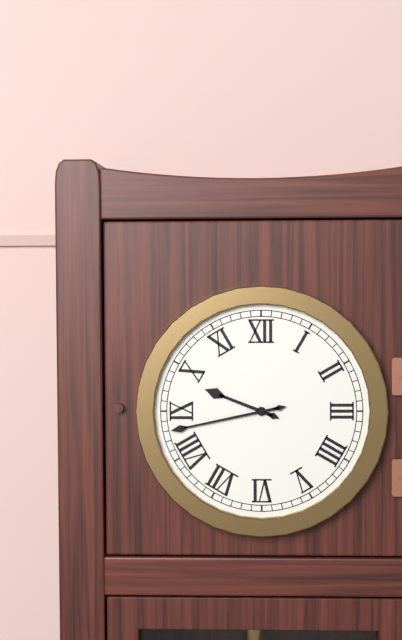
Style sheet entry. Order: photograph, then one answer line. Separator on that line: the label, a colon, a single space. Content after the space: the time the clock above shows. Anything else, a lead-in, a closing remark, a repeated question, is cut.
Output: 9:43
